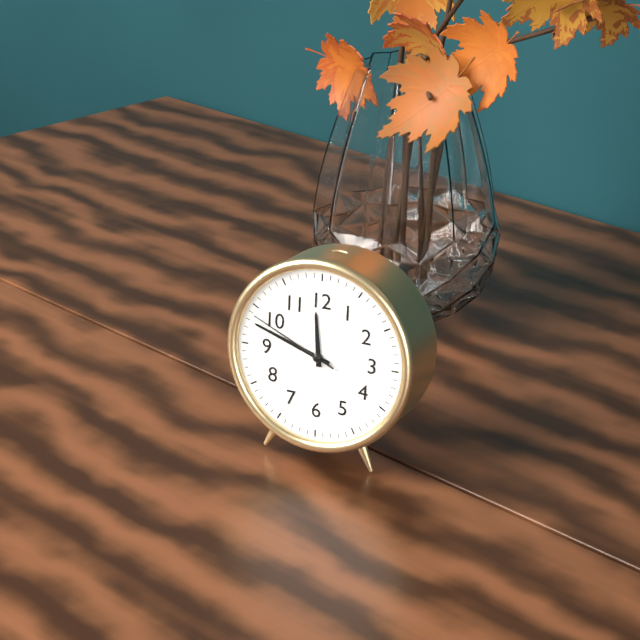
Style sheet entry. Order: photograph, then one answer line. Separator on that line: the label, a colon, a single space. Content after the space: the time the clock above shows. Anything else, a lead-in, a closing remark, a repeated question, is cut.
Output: 11:48:49
